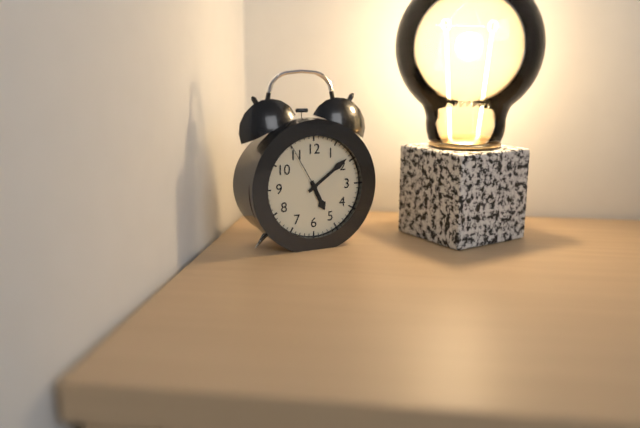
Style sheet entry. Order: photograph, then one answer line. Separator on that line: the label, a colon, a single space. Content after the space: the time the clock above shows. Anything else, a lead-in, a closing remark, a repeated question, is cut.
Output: 5:09:55
